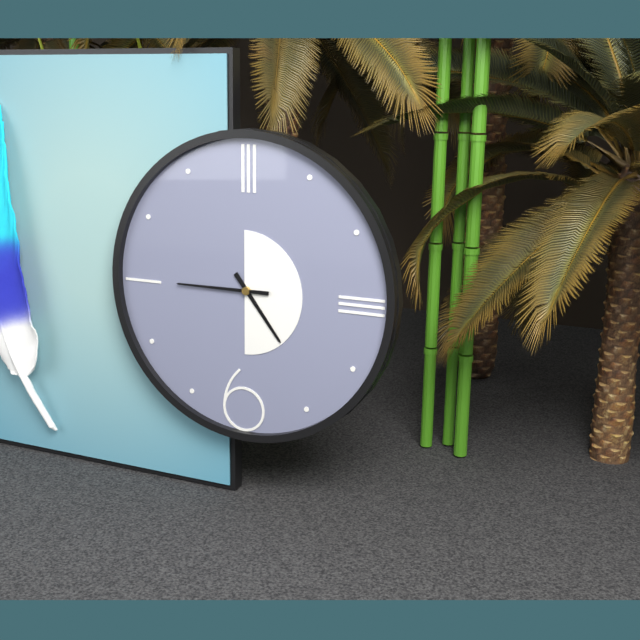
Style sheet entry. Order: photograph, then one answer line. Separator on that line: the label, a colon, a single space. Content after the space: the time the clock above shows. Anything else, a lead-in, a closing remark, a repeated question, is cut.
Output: 4:45
